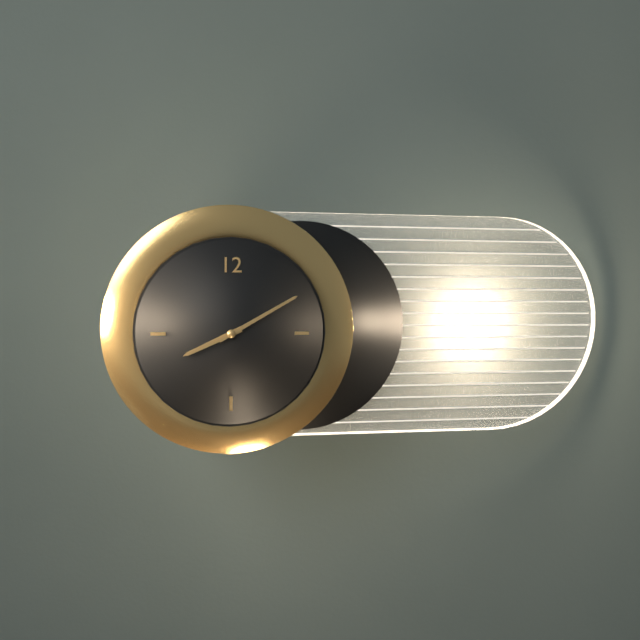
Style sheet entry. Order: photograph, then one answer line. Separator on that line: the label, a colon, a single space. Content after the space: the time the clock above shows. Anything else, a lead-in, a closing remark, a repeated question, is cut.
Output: 8:10
